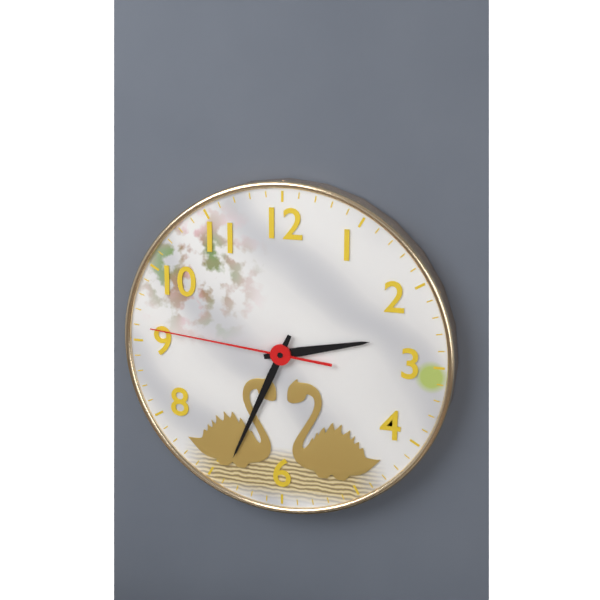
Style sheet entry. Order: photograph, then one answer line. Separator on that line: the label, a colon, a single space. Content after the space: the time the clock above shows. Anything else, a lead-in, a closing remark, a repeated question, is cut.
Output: 2:34:46
